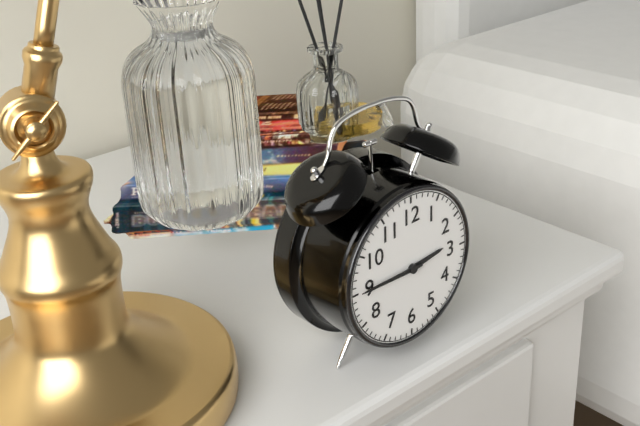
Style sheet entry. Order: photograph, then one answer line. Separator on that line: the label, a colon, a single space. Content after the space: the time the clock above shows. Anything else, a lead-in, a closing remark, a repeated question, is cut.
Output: 2:45
